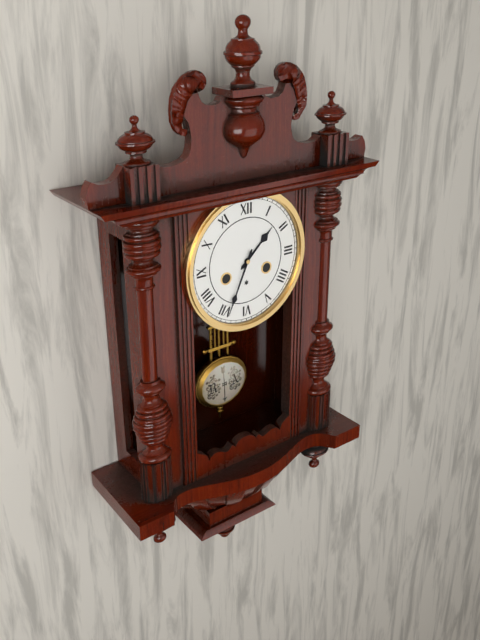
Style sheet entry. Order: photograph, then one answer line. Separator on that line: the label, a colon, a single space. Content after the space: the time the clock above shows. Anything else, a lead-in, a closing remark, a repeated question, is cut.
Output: 1:34
